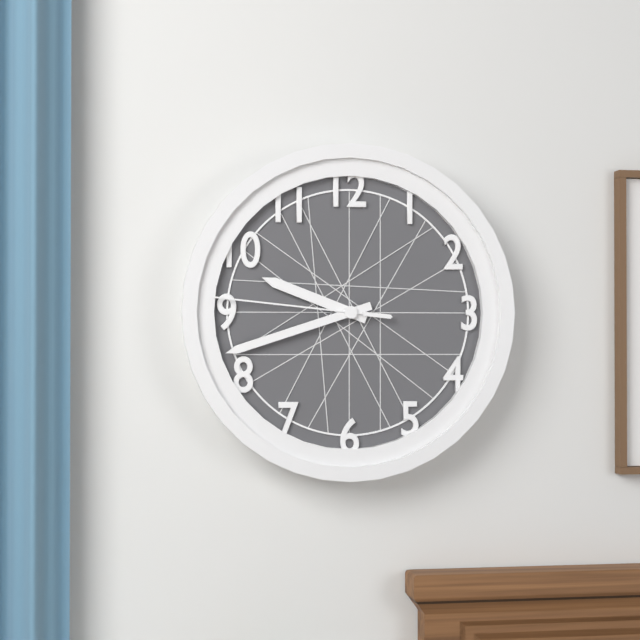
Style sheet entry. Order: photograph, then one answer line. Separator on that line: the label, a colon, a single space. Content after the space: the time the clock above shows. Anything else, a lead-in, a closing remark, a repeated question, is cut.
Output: 9:42:46
